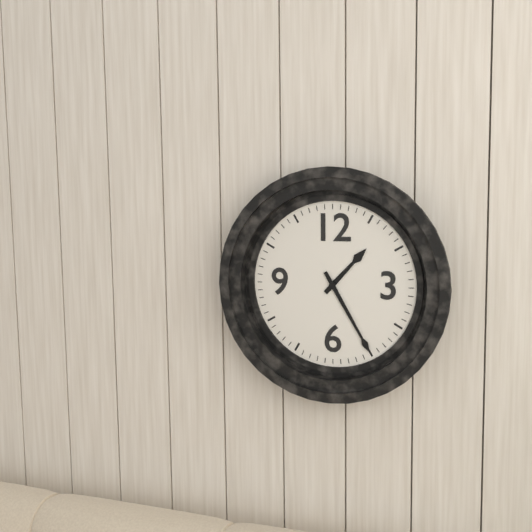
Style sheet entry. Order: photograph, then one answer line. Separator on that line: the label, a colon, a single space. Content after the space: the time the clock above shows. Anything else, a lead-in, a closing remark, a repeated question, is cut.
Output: 1:25
